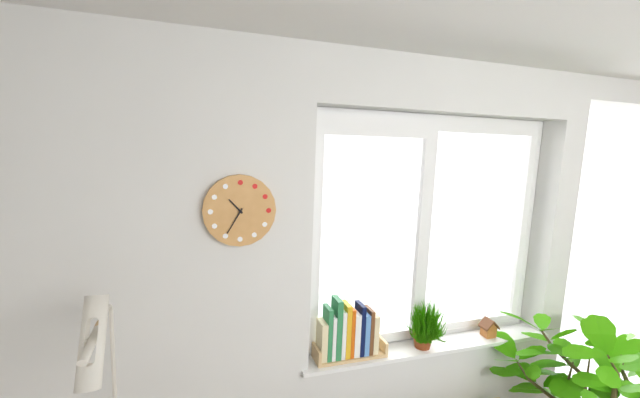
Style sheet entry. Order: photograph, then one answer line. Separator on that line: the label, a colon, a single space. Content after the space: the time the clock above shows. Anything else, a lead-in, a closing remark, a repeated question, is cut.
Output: 10:35
